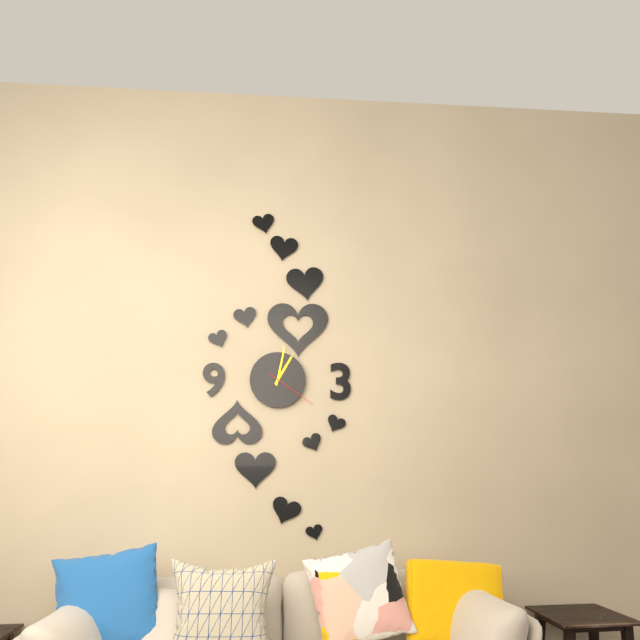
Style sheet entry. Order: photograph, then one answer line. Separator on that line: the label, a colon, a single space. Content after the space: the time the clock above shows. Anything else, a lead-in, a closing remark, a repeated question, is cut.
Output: 1:02:21
